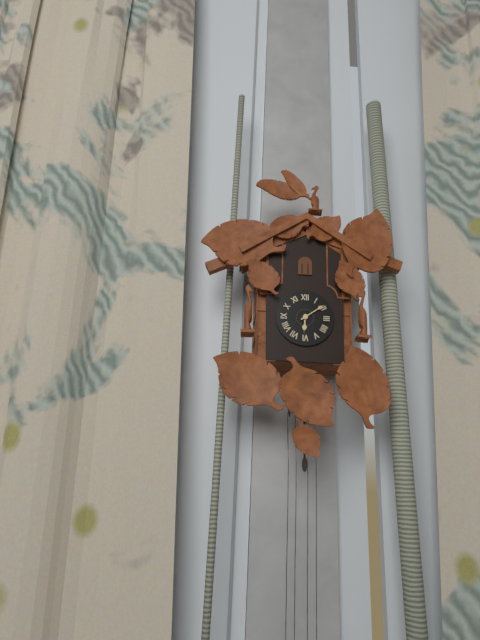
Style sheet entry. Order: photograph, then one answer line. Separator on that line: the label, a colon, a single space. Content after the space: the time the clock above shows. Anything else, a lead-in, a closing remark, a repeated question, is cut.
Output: 6:09
